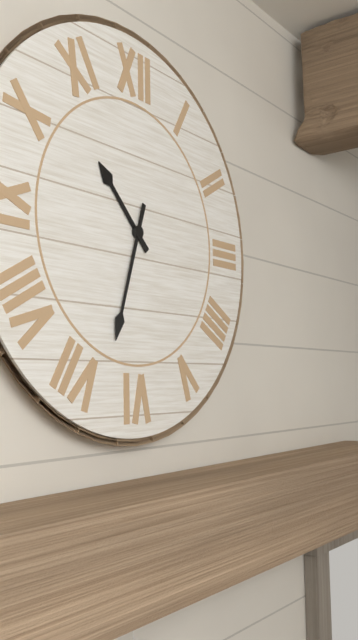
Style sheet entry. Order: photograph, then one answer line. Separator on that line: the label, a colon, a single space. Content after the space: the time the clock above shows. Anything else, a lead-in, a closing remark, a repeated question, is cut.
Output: 10:33
